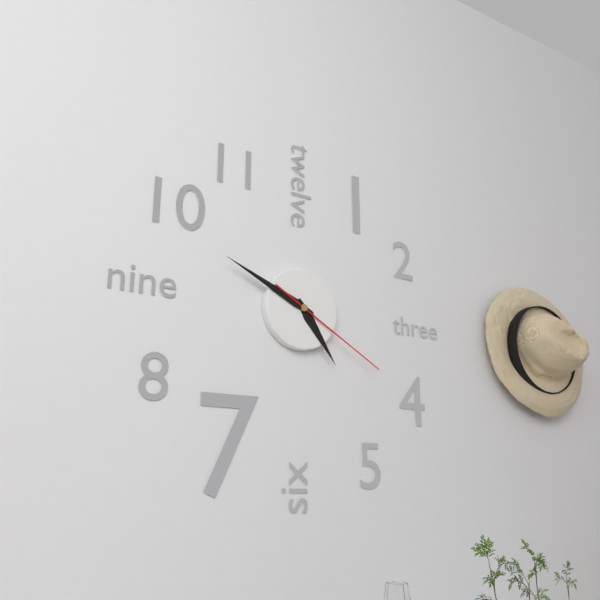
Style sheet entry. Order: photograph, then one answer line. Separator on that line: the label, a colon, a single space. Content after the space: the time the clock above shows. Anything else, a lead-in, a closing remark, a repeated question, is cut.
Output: 4:49:20
